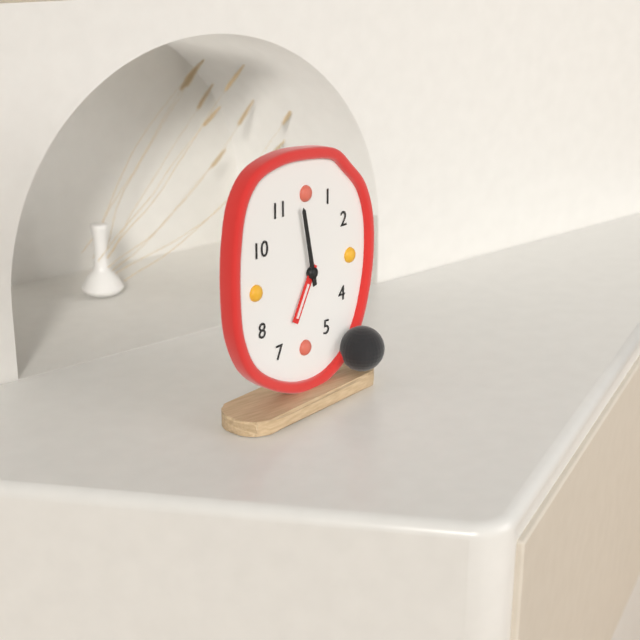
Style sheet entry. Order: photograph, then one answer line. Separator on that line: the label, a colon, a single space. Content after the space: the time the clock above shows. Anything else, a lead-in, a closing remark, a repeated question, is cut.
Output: 6:58
